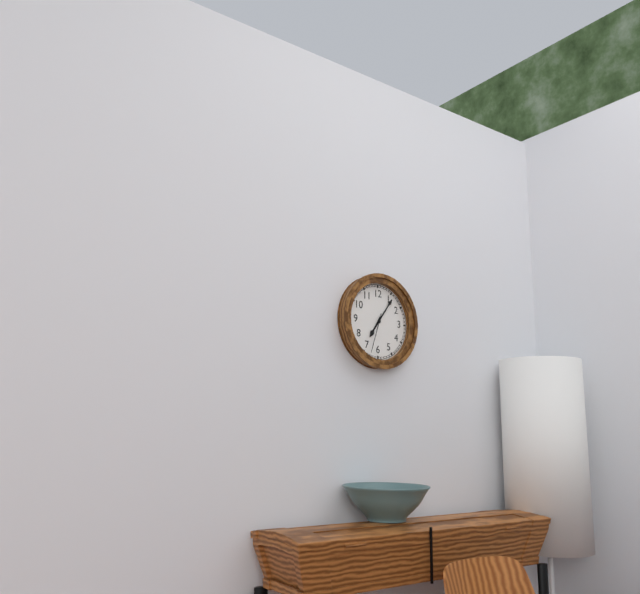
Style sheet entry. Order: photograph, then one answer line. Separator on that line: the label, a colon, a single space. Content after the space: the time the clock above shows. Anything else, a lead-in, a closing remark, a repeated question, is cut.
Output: 7:06
